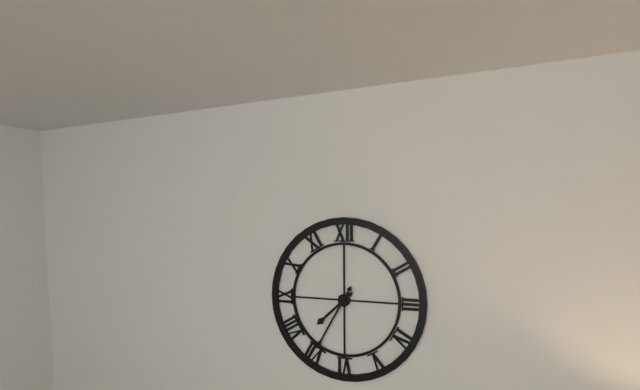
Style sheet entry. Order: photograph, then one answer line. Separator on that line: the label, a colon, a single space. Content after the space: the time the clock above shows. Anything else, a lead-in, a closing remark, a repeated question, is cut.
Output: 7:35
